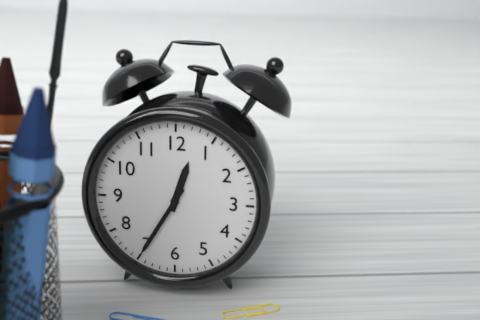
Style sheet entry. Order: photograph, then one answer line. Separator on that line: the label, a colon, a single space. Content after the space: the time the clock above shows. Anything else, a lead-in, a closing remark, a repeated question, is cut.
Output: 12:35
